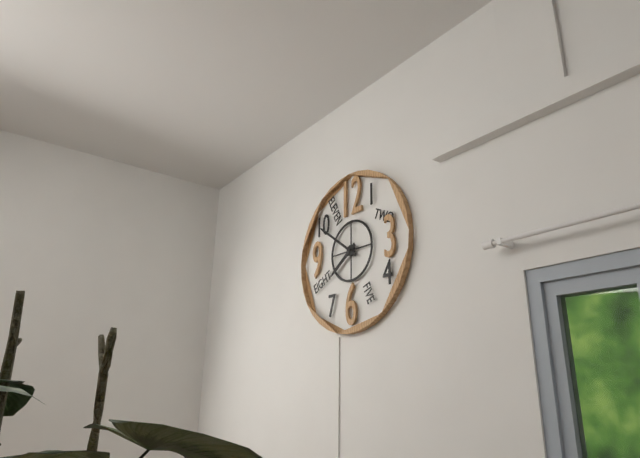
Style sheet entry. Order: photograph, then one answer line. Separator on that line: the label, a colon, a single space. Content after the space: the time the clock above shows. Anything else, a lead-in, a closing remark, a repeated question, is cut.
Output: 7:51
